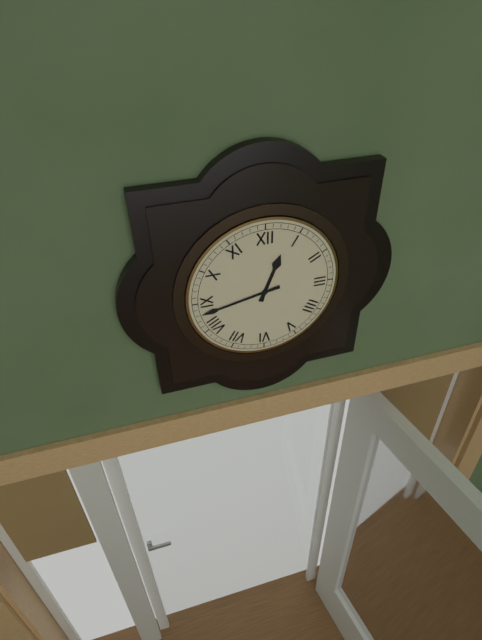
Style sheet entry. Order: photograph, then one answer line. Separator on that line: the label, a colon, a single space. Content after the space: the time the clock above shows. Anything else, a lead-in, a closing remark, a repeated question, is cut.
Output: 12:43
